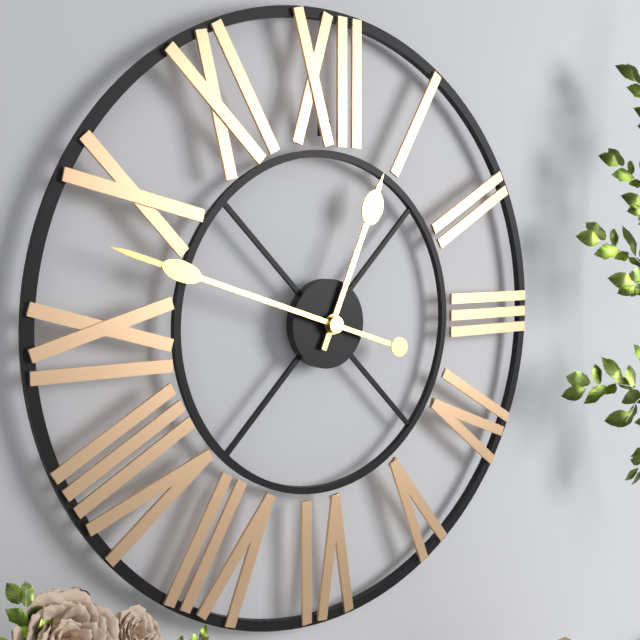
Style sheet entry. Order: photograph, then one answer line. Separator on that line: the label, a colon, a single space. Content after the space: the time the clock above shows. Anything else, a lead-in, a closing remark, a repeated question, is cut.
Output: 12:48
